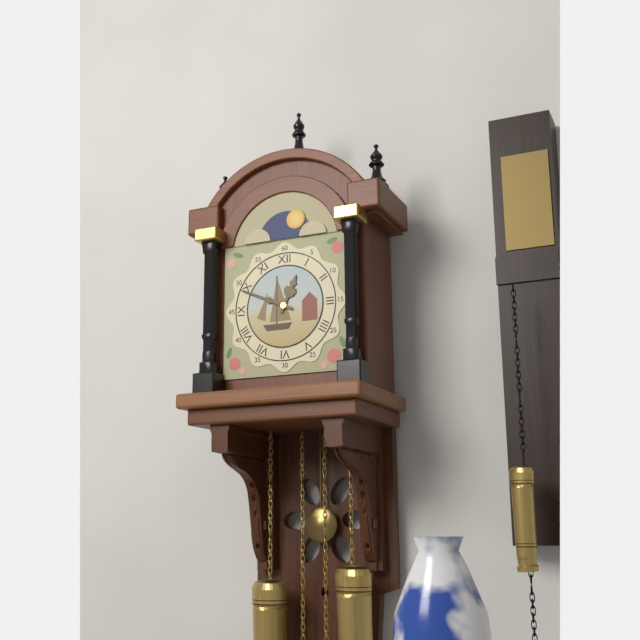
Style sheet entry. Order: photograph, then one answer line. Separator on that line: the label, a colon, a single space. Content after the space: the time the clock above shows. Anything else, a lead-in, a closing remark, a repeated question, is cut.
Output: 12:49
